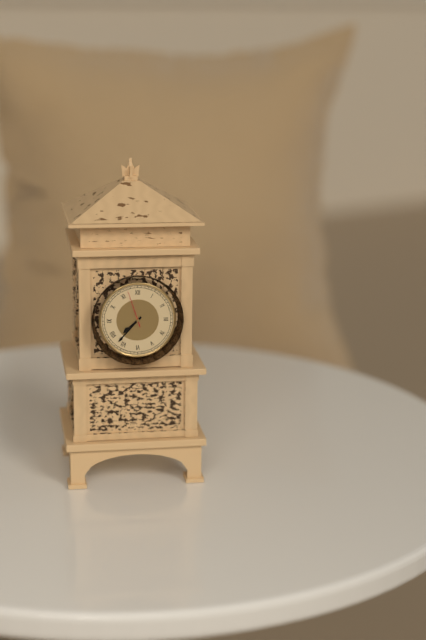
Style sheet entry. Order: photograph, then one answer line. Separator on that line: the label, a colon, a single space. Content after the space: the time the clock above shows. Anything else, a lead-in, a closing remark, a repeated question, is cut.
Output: 7:37
